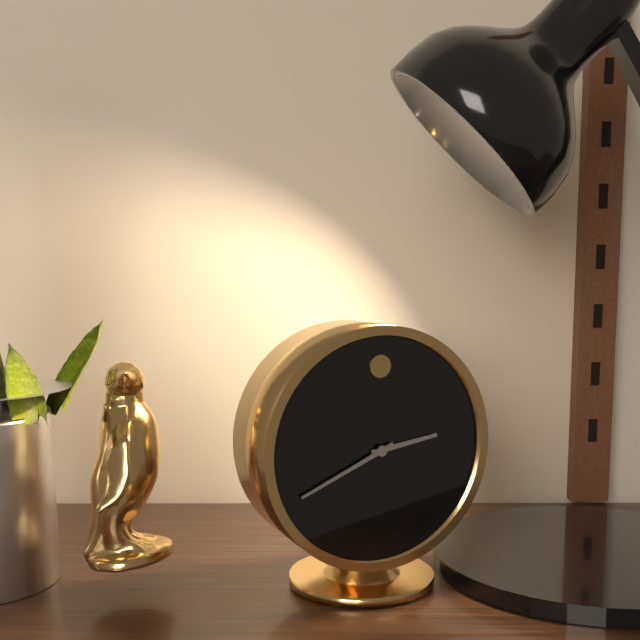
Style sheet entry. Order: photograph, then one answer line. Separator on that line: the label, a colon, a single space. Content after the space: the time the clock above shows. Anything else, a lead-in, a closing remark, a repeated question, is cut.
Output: 2:41
